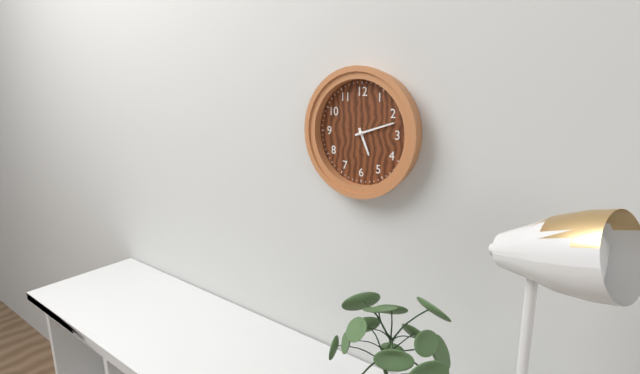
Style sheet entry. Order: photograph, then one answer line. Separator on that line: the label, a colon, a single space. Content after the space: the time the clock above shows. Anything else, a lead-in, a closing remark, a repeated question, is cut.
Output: 5:12
